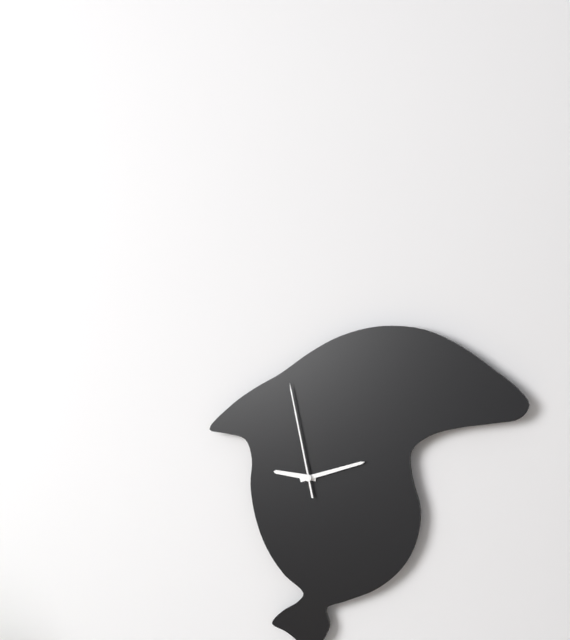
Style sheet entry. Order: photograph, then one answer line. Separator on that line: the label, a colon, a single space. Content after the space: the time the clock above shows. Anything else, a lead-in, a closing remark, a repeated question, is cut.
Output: 9:12:58
